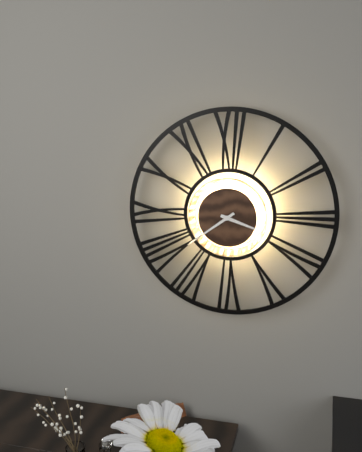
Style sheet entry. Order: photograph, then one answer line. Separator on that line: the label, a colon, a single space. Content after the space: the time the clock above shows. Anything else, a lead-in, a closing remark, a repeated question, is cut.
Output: 3:39
